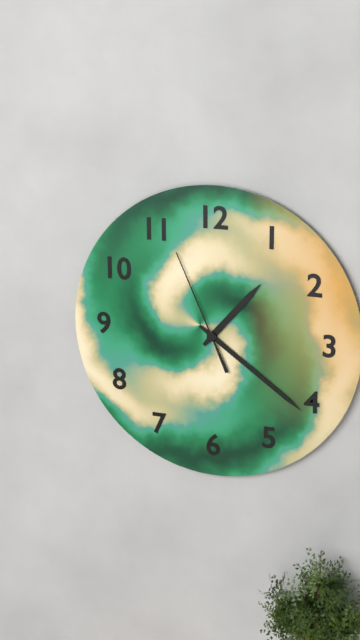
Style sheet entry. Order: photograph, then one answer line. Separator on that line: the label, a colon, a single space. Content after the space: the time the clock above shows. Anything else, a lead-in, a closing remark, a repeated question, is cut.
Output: 1:21:56
